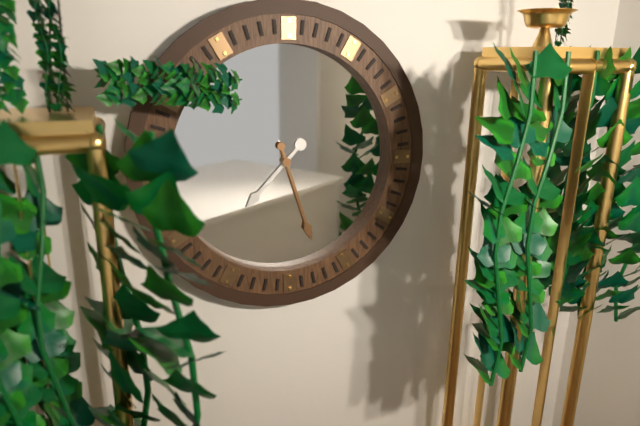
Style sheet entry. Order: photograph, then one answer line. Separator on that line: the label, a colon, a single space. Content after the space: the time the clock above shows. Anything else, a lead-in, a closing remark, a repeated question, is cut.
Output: 7:27
